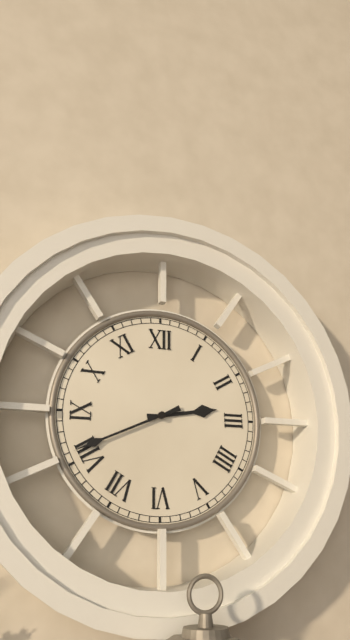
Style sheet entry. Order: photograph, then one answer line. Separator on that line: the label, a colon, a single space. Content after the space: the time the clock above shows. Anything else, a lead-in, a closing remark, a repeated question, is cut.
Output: 2:41
